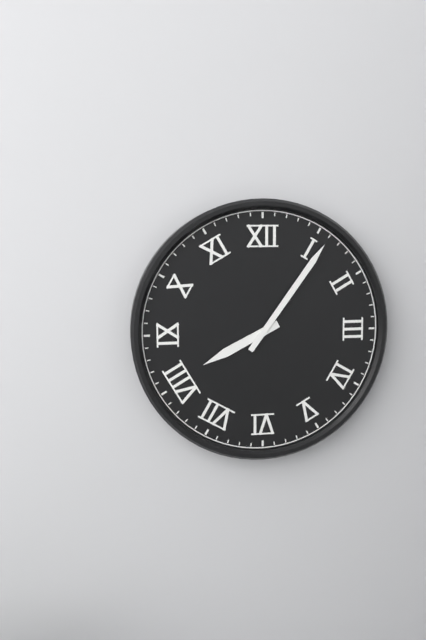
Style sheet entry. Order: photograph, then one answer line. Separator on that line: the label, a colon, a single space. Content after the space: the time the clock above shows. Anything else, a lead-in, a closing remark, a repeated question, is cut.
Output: 8:06
